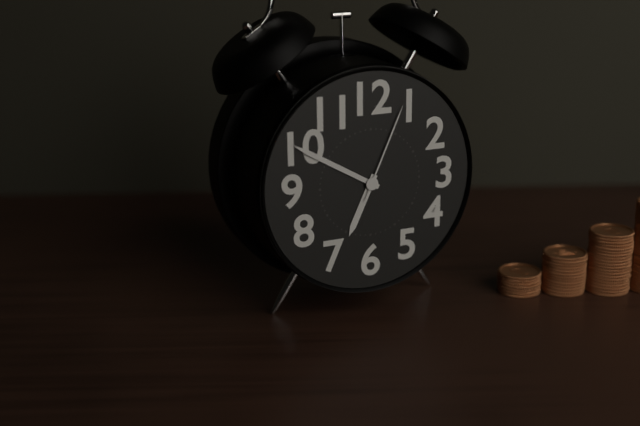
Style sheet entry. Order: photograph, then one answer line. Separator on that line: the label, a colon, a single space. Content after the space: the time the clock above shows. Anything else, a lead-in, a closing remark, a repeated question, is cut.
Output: 6:50:04
